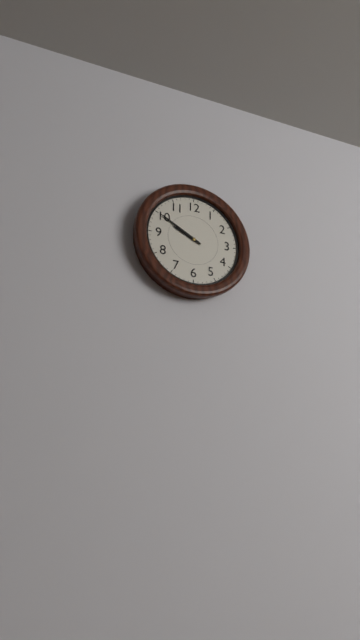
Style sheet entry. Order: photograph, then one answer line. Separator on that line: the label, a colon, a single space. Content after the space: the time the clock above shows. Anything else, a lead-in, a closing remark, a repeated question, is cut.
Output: 9:50
